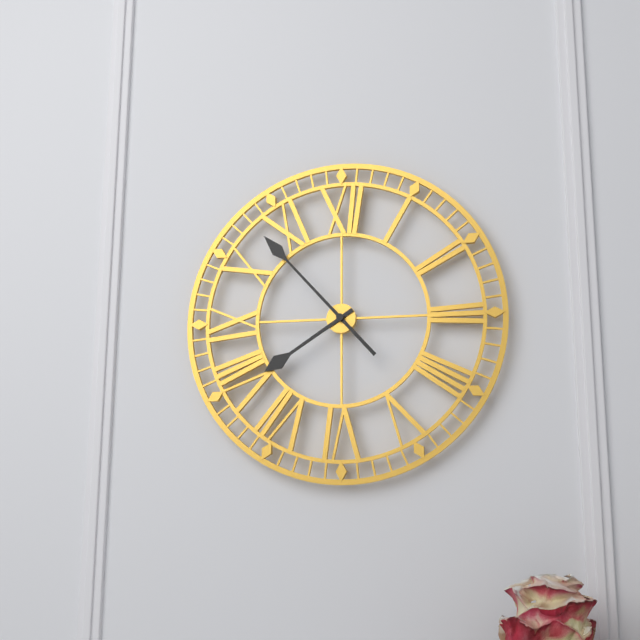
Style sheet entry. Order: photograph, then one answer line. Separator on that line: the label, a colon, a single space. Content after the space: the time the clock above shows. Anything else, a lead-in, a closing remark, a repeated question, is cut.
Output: 7:53
